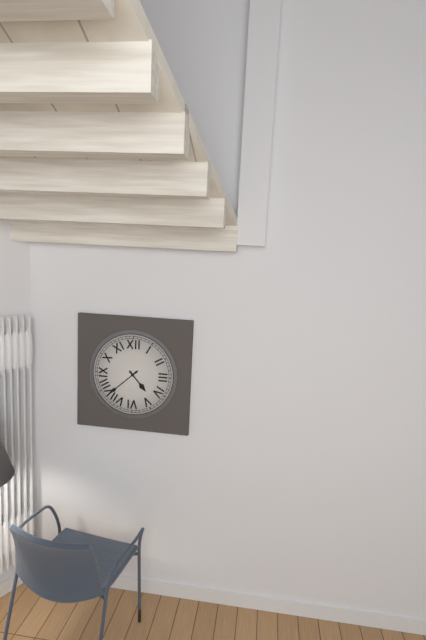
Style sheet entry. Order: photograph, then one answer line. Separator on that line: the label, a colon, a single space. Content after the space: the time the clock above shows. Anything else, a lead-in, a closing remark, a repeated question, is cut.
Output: 4:38
